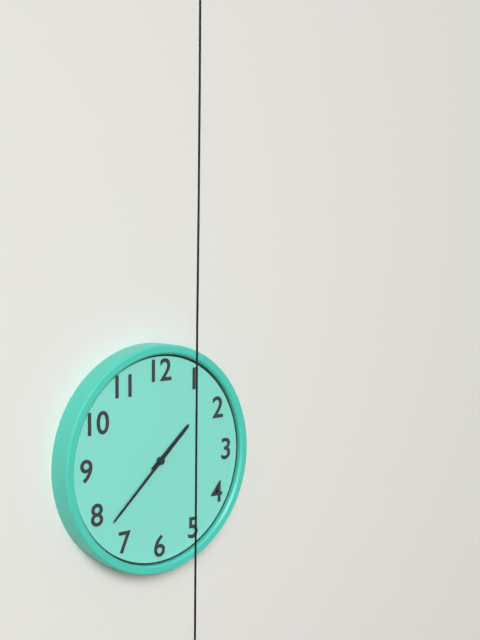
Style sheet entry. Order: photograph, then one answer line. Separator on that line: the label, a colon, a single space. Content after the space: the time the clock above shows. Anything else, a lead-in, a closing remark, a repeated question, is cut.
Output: 1:38
